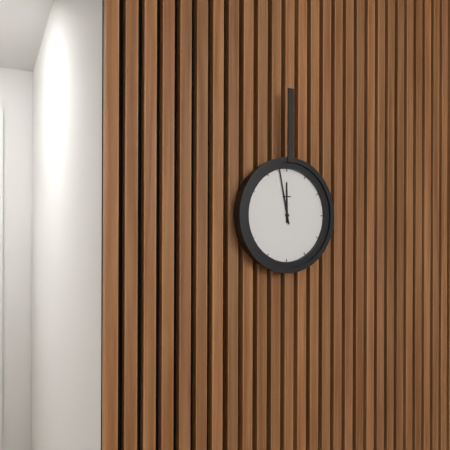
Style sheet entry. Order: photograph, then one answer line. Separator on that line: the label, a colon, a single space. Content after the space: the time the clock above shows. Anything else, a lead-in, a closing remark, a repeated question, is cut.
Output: 11:58
